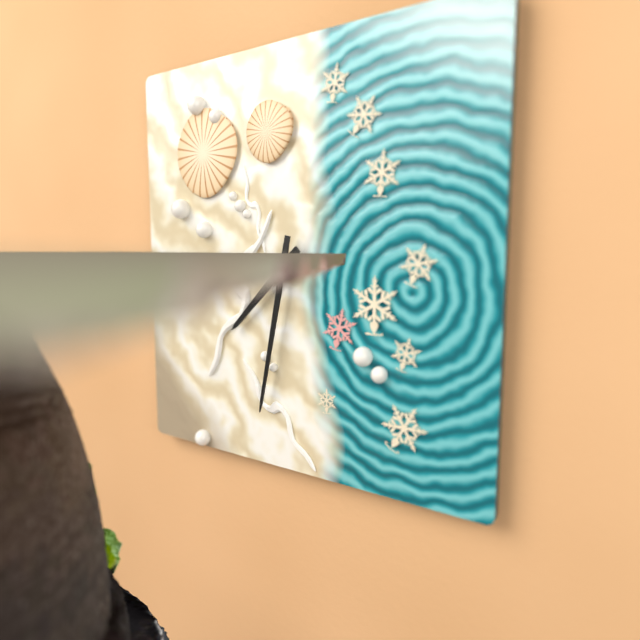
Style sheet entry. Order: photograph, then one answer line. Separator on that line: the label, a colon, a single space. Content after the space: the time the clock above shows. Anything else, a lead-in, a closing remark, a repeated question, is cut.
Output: 7:32
